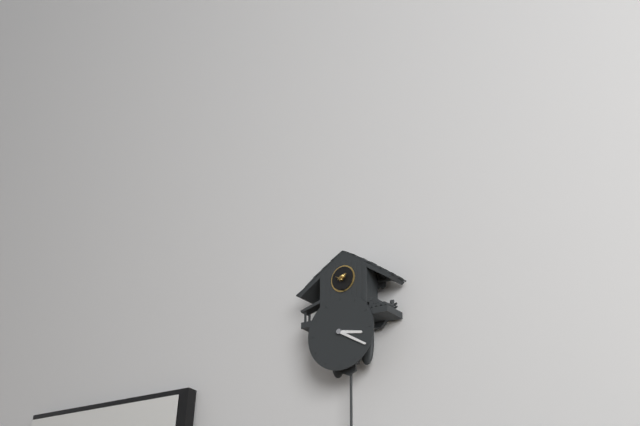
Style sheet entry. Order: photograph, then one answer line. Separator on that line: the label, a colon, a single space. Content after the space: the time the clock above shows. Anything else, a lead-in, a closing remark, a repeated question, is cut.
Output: 3:20
